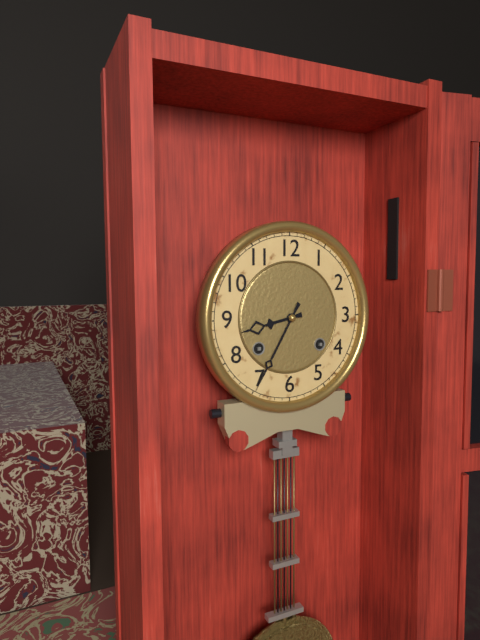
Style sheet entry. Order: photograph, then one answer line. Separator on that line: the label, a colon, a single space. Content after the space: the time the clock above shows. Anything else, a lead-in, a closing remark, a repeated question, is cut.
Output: 8:35
